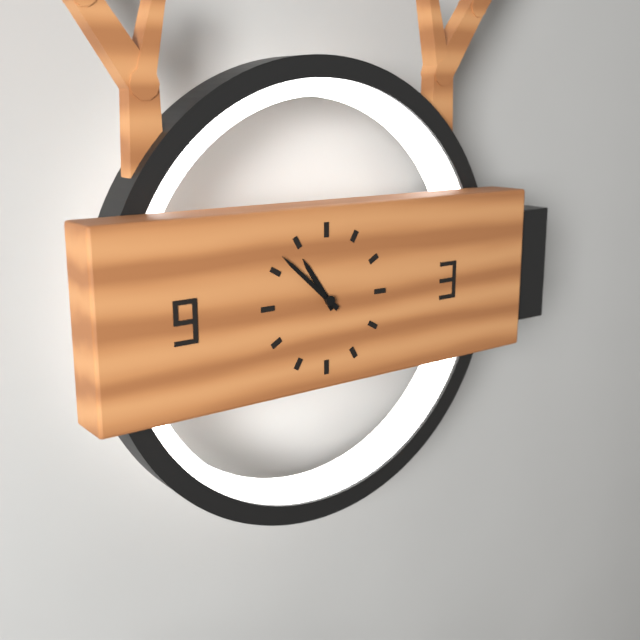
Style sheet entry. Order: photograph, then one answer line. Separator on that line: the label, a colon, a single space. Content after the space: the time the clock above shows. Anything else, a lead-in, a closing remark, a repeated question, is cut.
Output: 10:52
